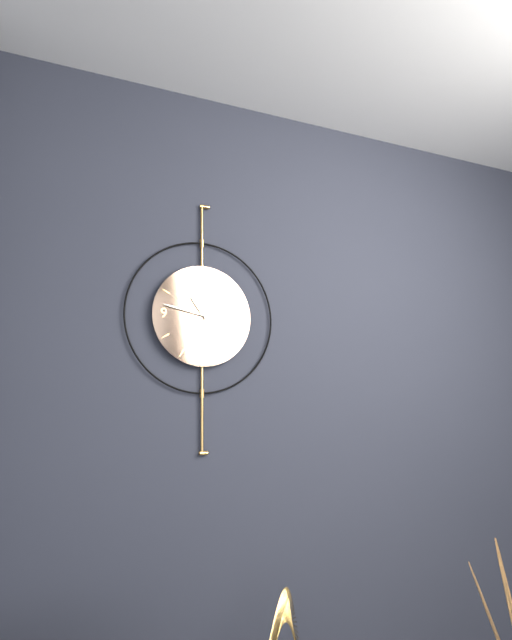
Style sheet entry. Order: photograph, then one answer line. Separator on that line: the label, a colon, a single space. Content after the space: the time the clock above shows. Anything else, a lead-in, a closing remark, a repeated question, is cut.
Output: 10:47:28
